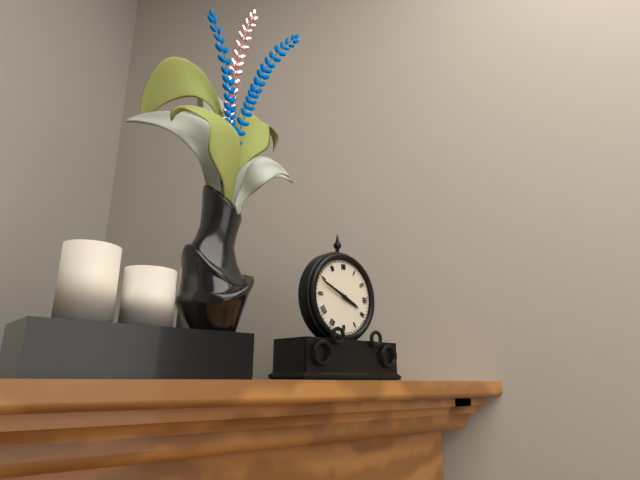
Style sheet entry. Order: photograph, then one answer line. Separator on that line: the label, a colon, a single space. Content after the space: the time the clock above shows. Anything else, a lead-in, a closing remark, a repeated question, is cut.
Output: 3:49
